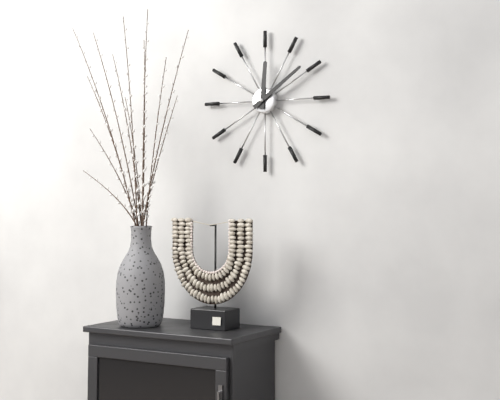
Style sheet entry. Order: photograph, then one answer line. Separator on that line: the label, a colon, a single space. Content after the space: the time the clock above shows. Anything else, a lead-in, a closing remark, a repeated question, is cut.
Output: 12:09
